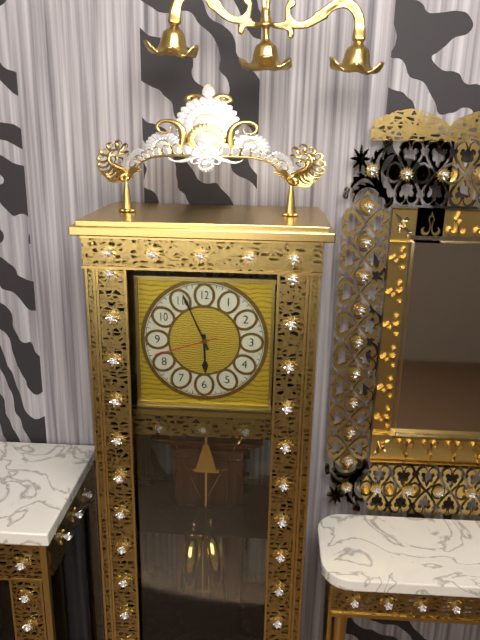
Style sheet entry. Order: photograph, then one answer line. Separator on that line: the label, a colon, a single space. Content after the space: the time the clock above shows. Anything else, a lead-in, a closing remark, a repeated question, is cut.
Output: 5:56:42
